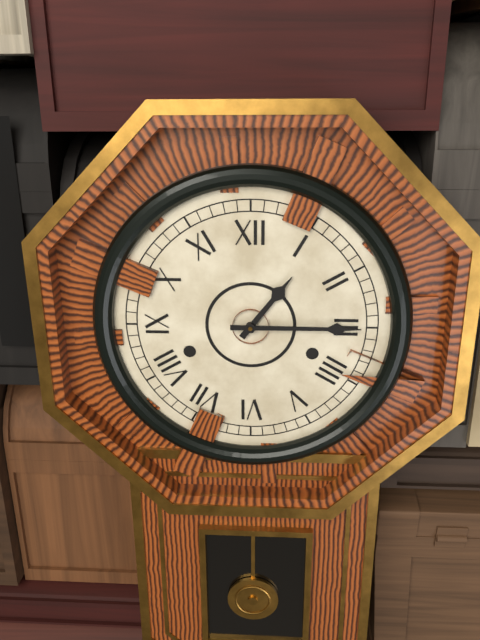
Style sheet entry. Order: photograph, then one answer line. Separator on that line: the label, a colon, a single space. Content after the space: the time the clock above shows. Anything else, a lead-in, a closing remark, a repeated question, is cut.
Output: 1:15
